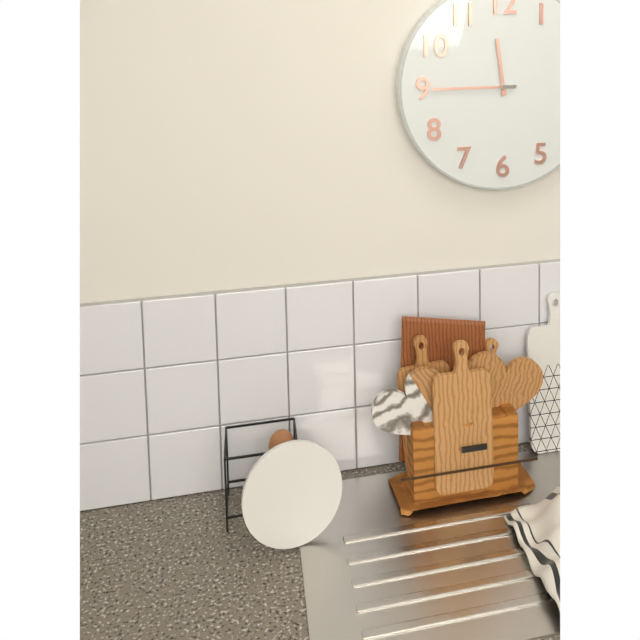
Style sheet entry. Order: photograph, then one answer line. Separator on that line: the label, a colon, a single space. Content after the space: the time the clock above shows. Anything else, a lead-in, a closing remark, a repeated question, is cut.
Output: 11:45
